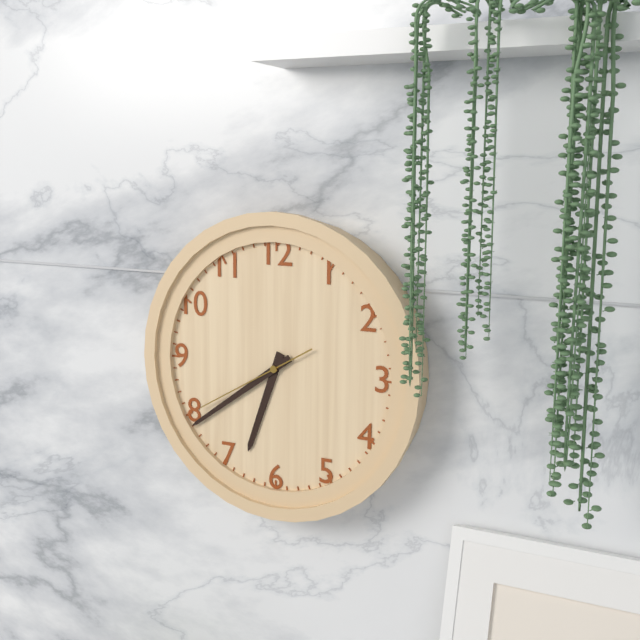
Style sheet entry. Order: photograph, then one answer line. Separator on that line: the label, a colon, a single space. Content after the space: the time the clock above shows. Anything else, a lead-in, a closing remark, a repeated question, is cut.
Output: 6:39:40
